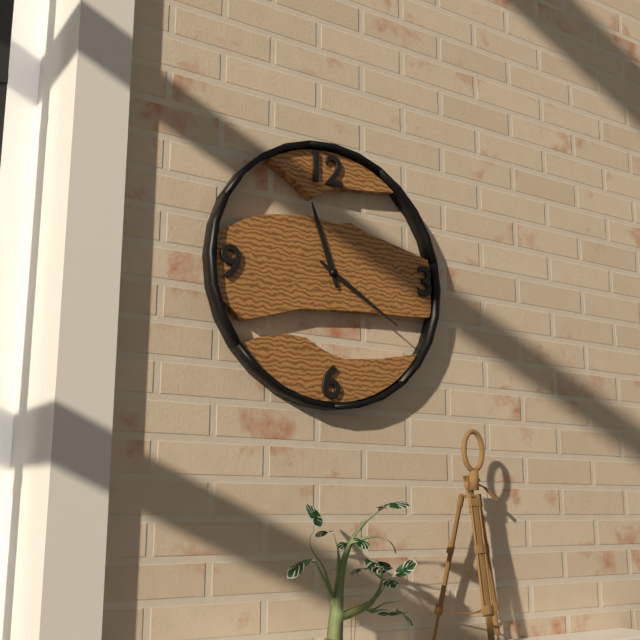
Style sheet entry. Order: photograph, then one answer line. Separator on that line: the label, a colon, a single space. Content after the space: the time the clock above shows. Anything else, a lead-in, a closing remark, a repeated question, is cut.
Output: 11:20
